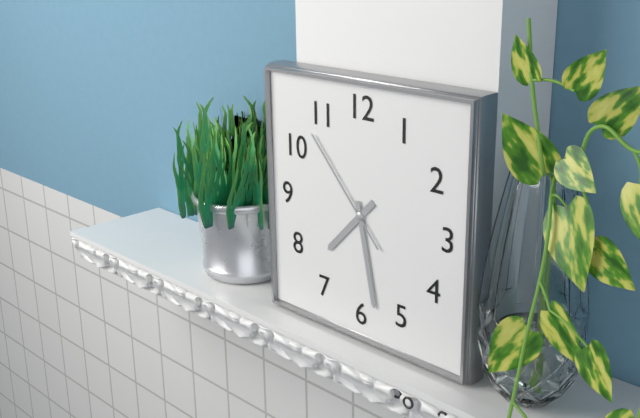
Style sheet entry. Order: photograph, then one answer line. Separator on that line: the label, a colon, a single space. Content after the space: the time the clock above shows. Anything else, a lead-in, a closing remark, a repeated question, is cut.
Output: 7:28:53
